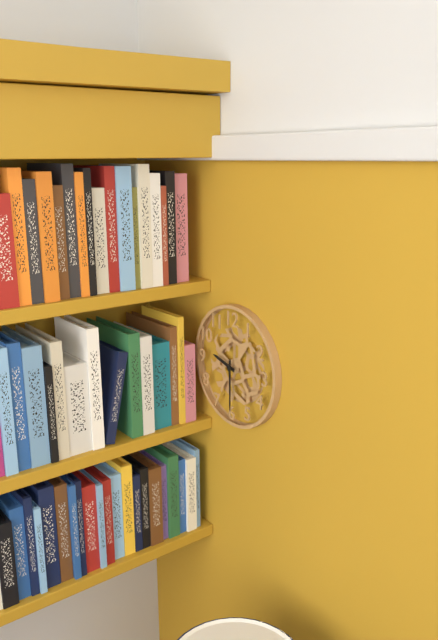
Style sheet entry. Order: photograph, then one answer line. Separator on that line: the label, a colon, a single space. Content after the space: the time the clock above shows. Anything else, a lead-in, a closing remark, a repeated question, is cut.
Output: 9:30
